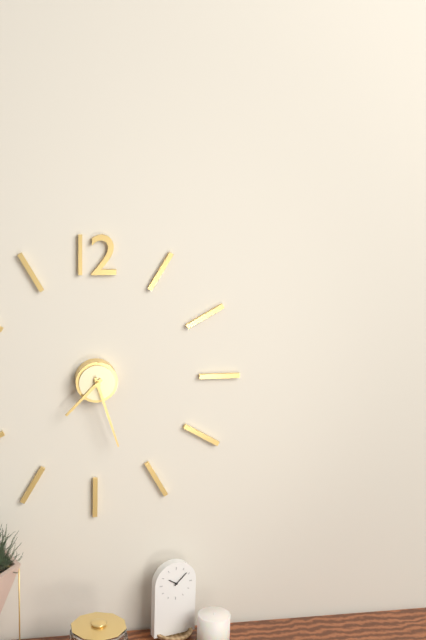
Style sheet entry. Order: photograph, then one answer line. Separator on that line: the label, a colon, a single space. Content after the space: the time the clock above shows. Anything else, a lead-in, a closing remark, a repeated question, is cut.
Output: 7:27
